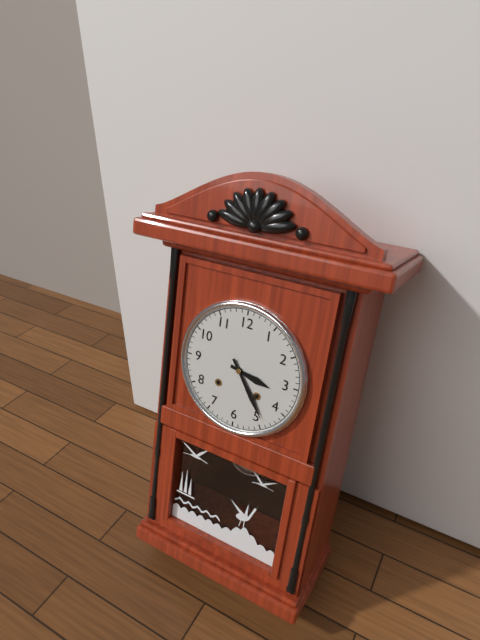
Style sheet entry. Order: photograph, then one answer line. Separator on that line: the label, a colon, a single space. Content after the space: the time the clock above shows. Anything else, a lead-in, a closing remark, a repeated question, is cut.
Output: 3:24
